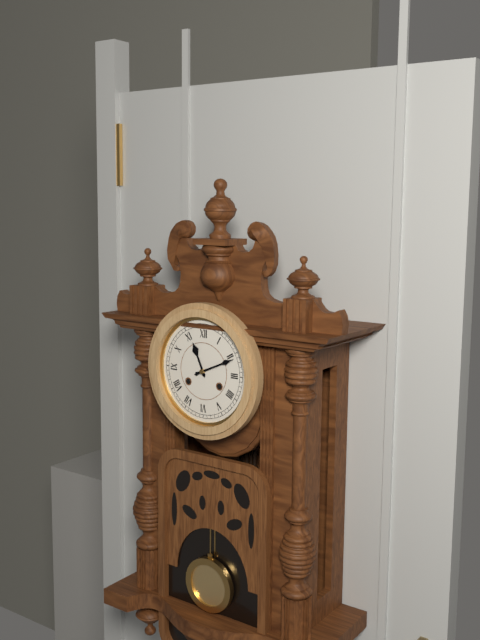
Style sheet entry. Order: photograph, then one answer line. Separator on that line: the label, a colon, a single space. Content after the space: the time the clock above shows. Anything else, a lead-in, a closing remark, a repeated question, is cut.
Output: 11:11
